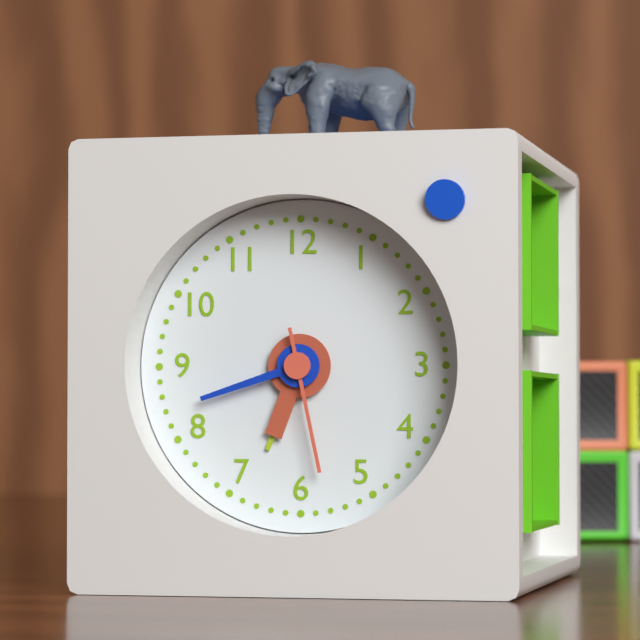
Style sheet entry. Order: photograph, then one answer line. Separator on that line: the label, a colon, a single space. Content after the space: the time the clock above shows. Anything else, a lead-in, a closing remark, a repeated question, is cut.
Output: 6:42:28
